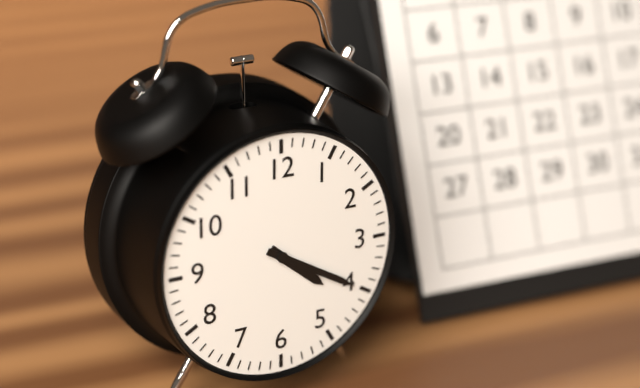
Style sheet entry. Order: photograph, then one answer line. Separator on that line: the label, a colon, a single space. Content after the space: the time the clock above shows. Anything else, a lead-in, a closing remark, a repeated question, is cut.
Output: 4:20
